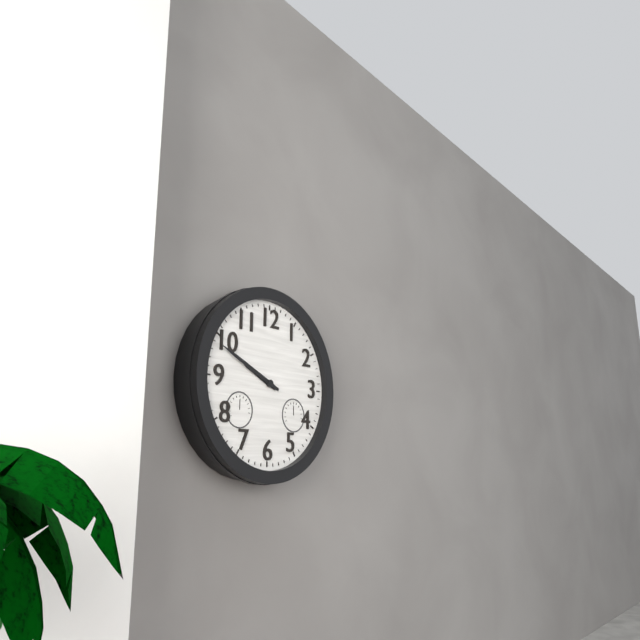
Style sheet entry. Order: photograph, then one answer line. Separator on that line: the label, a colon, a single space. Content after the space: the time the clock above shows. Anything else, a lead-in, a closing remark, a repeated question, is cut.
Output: 9:49
